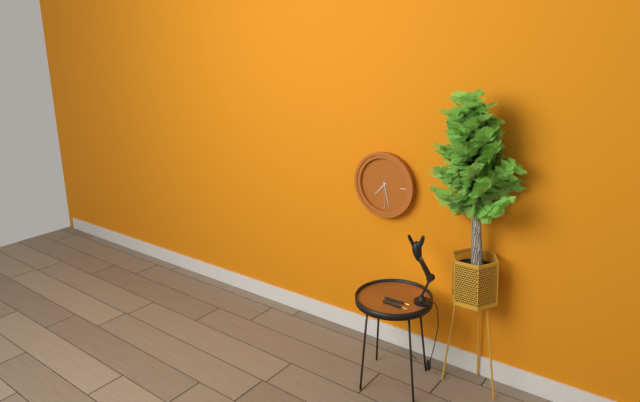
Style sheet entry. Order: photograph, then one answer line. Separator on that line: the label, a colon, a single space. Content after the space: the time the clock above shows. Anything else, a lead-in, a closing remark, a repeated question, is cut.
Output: 7:28
